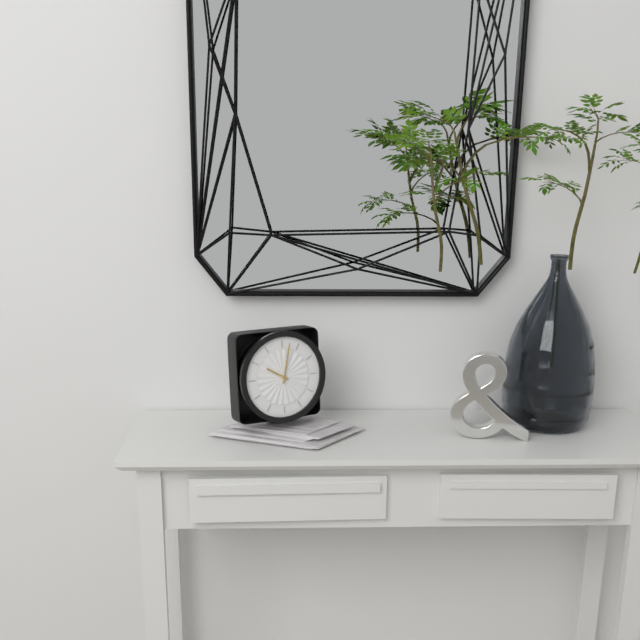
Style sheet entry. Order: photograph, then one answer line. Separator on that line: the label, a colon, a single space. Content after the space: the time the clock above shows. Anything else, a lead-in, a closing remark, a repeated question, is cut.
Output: 10:02
